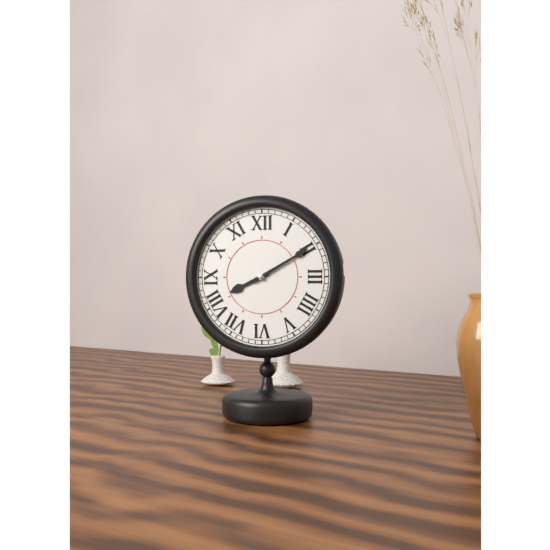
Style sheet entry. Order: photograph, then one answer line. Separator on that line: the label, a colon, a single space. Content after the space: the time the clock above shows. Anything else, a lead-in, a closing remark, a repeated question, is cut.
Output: 8:10
